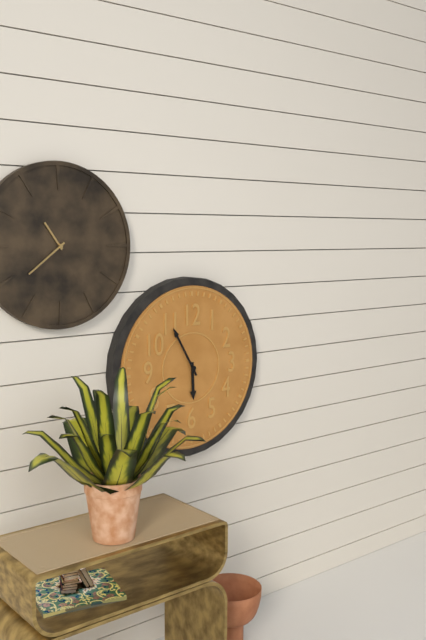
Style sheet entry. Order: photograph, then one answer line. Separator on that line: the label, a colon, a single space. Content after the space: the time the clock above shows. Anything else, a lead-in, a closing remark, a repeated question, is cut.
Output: 5:55
